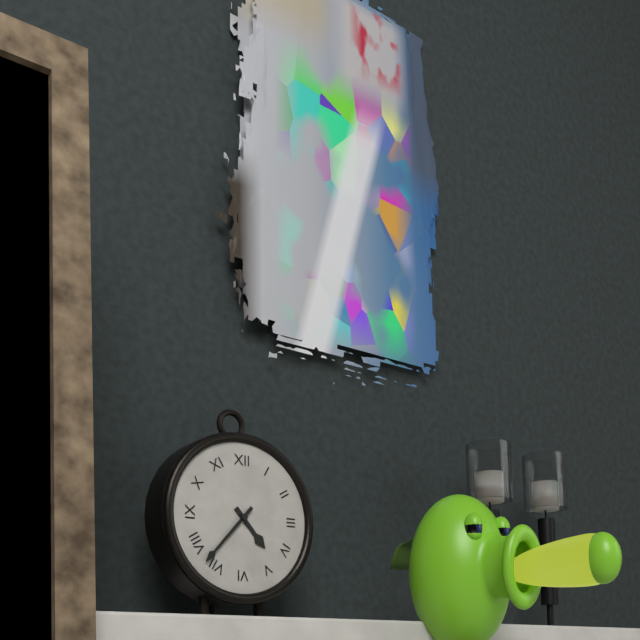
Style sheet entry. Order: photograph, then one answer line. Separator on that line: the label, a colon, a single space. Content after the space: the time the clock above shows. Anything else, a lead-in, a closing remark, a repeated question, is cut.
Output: 4:37
